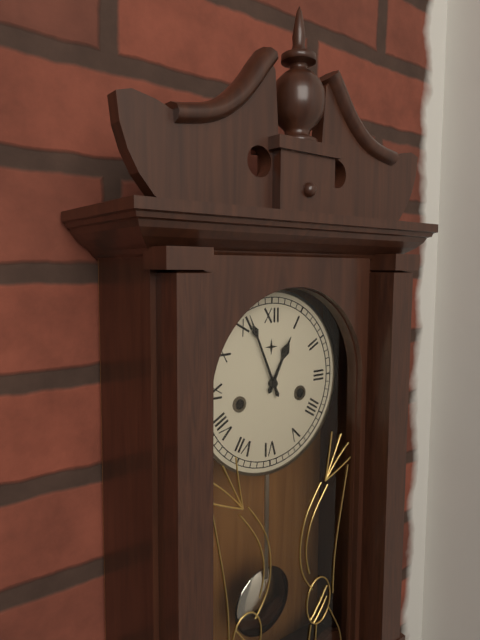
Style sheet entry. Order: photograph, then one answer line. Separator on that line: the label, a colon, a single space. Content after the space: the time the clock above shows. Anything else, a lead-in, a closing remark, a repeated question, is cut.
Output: 12:56
